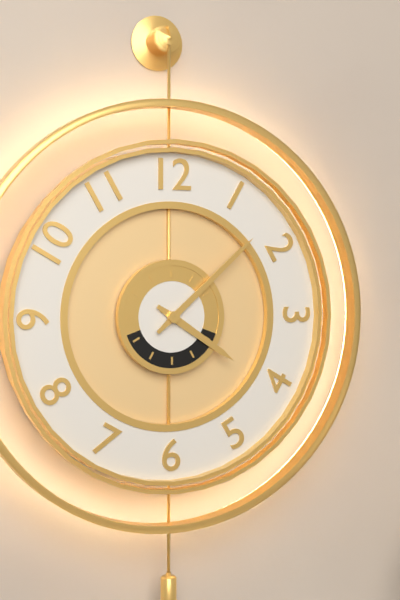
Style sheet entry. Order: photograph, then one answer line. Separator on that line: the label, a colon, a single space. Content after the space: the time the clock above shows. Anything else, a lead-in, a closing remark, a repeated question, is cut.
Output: 4:08
